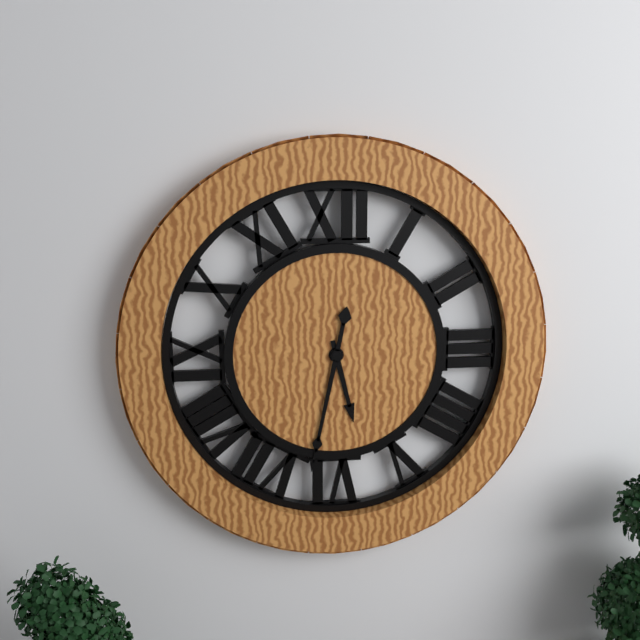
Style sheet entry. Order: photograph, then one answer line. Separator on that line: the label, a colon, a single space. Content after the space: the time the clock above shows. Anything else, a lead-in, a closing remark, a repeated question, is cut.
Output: 5:32
